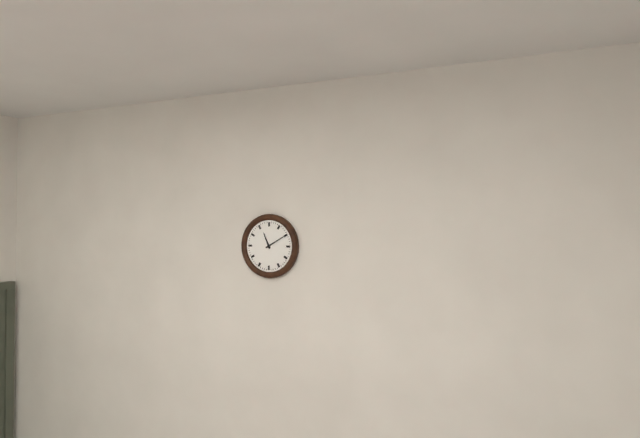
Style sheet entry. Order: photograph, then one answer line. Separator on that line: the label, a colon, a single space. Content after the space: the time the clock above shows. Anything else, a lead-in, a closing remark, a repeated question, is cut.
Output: 11:10
